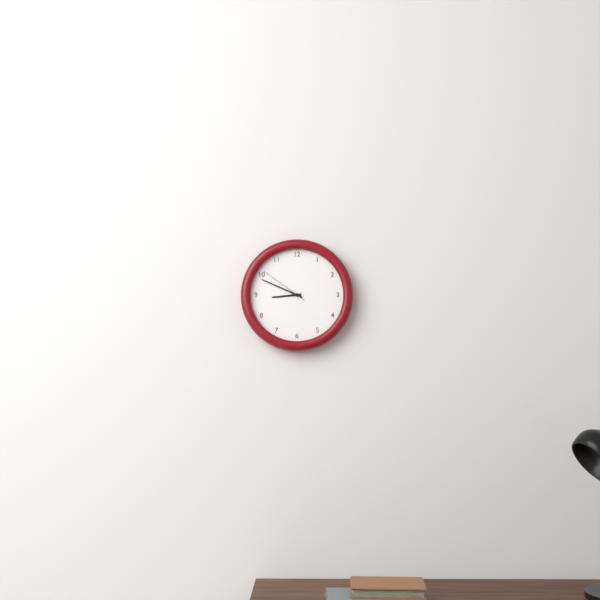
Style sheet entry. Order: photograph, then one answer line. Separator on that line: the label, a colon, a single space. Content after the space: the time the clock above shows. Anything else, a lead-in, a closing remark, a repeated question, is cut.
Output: 8:49:51
